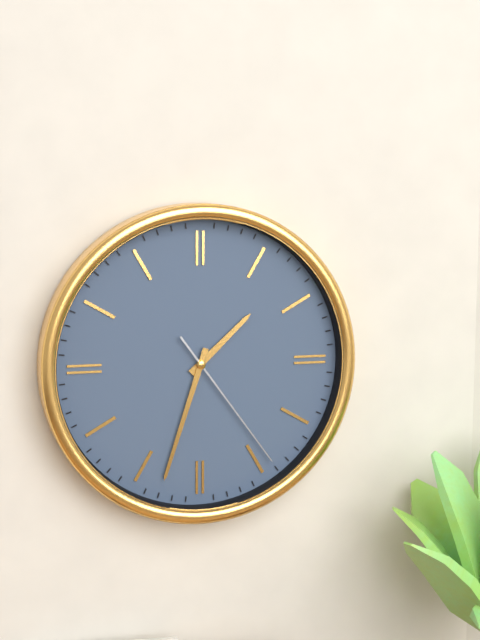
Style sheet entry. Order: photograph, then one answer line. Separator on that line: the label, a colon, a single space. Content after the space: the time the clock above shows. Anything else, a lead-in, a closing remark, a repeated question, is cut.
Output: 1:33:24
